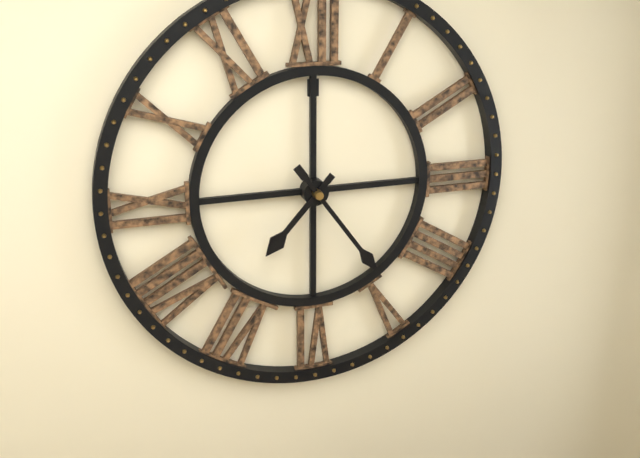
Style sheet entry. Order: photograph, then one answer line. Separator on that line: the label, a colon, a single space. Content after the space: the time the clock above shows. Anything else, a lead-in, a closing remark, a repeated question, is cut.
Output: 7:24
